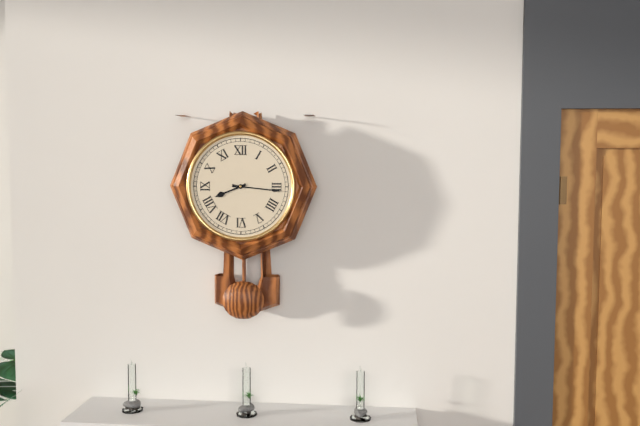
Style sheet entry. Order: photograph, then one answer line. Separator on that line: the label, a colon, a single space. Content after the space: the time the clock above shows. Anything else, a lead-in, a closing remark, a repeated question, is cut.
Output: 8:16
